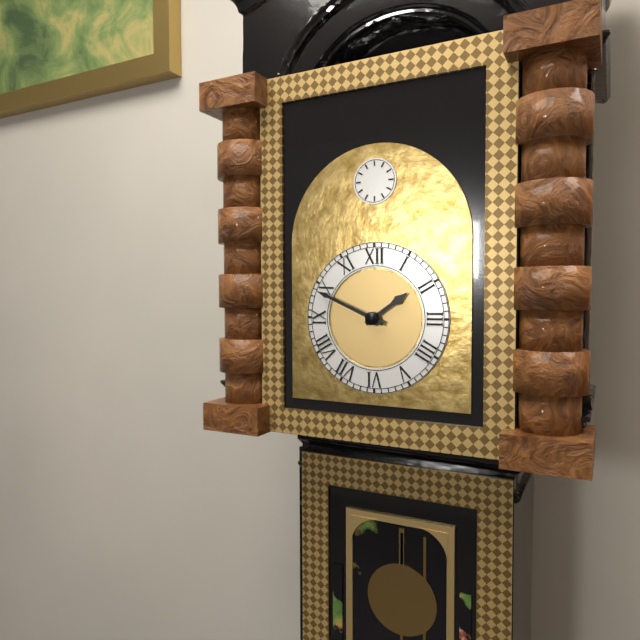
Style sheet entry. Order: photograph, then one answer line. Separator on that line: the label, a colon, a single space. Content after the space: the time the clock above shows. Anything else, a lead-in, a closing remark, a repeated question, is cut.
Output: 1:49
